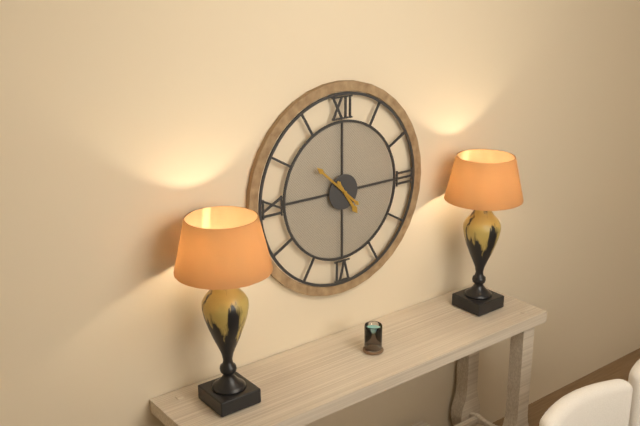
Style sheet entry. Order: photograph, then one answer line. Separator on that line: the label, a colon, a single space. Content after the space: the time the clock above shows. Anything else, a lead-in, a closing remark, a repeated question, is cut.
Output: 4:52
